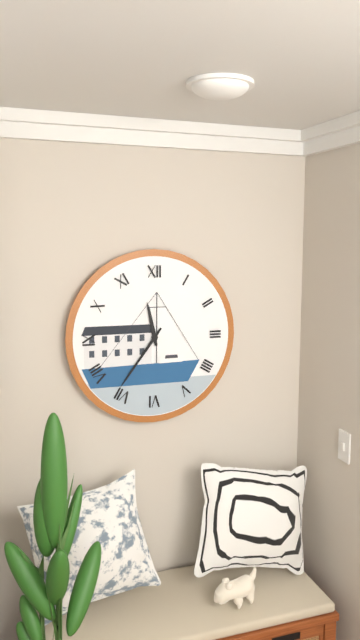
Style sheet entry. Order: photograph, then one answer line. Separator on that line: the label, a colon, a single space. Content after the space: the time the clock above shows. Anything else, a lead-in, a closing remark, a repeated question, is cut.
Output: 11:36
